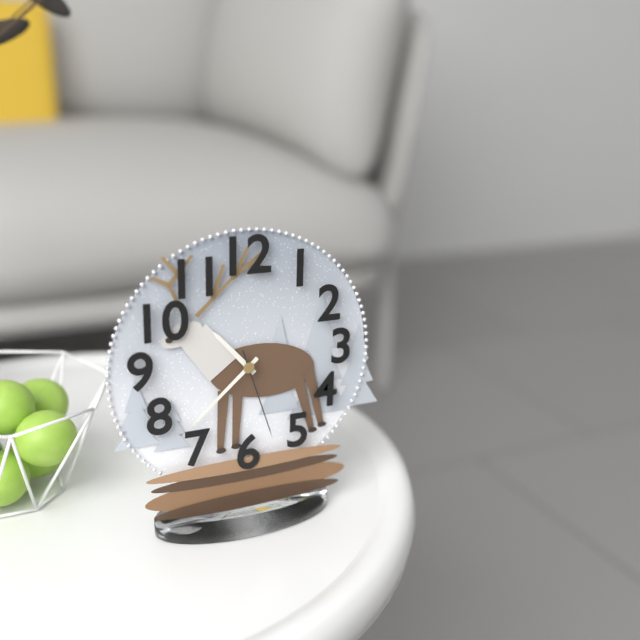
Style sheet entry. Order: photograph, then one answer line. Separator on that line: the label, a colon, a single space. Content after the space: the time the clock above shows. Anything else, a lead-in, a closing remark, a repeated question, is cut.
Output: 10:38:27
